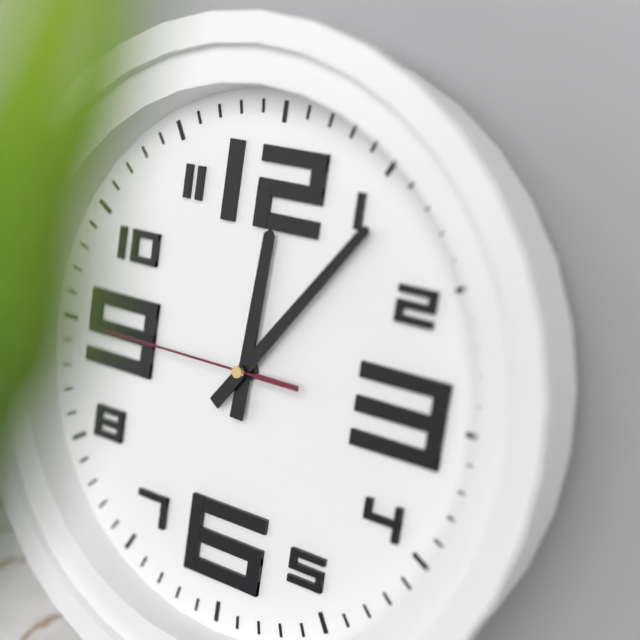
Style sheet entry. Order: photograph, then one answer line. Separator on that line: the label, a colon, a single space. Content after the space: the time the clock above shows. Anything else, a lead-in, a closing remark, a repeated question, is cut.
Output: 12:06:45
